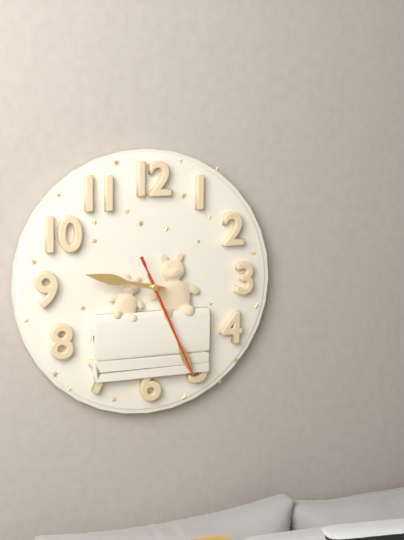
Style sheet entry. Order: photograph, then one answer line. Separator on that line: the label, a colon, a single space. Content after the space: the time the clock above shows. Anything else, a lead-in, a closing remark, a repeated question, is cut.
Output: 9:26:26
